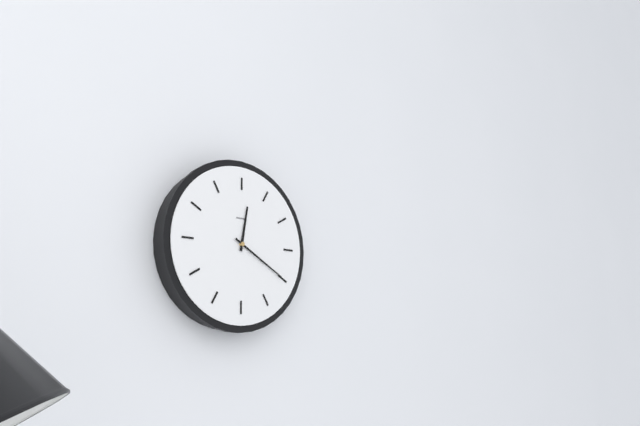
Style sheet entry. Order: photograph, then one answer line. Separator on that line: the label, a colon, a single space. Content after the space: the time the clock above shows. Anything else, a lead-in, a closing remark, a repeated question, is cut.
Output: 12:20
